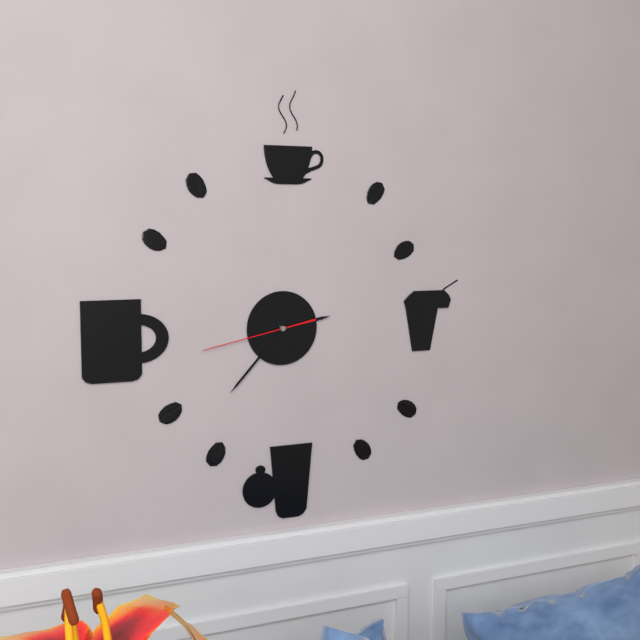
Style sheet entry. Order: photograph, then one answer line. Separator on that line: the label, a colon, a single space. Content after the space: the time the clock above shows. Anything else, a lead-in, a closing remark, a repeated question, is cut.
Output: 2:37:43
